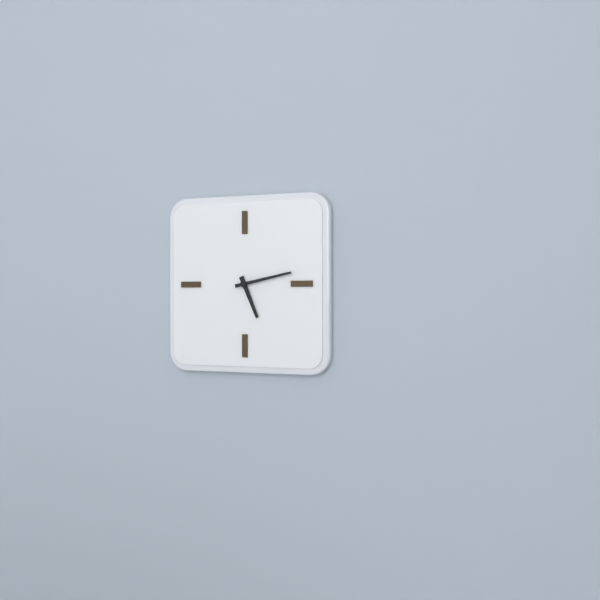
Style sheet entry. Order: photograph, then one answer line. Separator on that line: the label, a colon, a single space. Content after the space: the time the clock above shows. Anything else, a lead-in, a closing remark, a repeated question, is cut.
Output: 5:13
